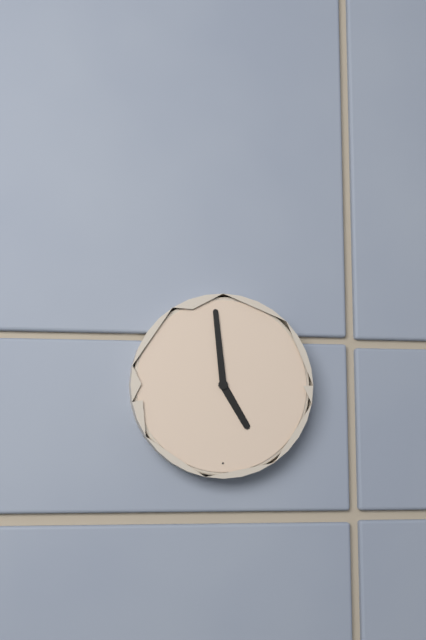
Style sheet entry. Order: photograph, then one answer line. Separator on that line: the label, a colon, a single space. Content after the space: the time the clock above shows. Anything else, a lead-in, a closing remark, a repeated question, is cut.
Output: 4:59
